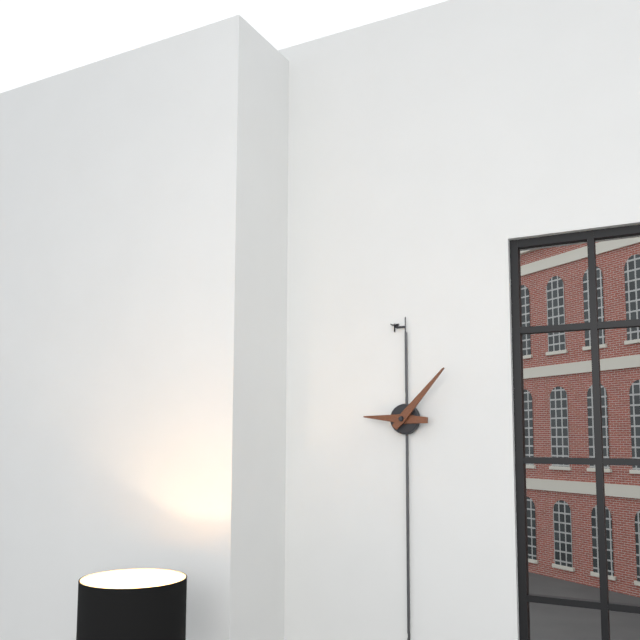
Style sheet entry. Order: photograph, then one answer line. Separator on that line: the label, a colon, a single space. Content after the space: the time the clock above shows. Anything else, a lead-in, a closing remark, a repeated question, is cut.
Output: 9:07
